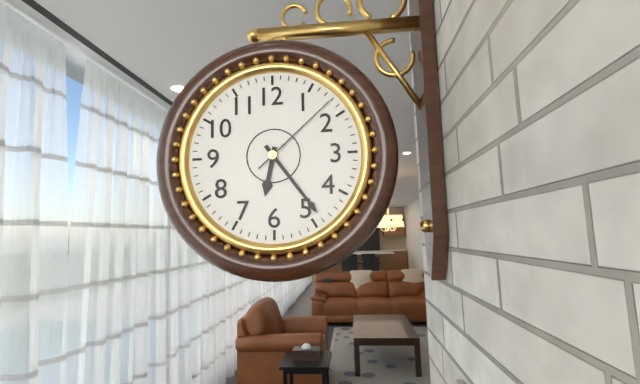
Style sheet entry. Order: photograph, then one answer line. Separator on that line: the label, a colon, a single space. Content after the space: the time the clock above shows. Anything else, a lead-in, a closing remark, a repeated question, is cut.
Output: 6:24:08
